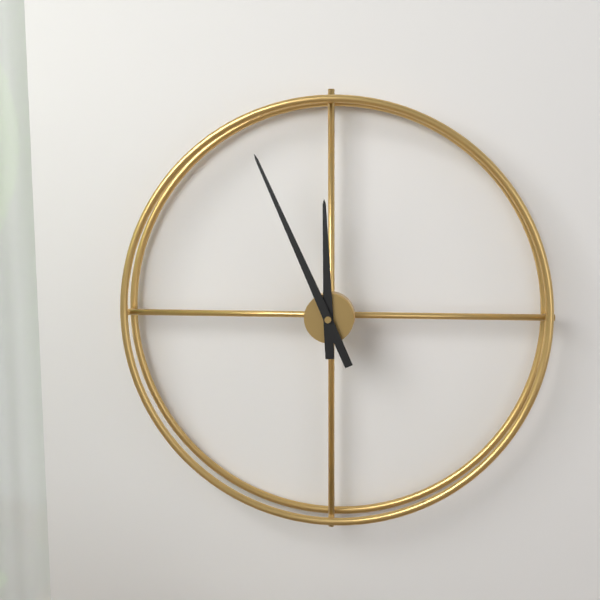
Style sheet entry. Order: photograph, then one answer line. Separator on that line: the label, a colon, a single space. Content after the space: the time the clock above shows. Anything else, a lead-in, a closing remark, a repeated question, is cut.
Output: 11:56
